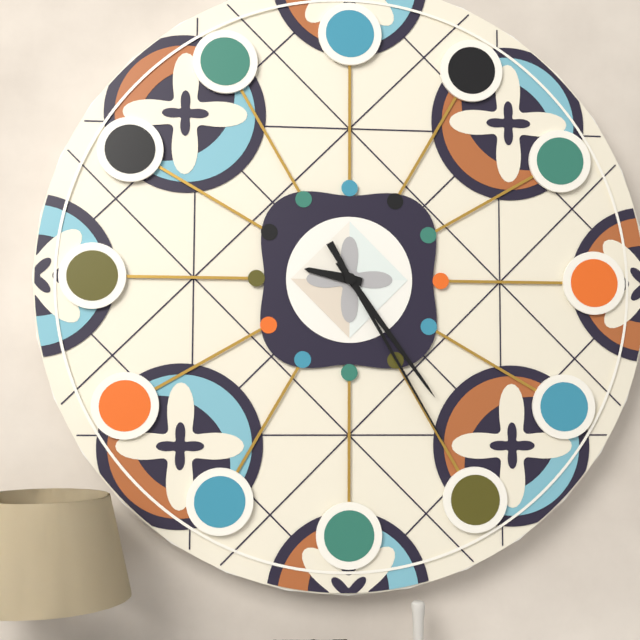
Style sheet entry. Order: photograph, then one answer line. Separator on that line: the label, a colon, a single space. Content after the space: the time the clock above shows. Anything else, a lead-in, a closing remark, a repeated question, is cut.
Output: 9:24:25
